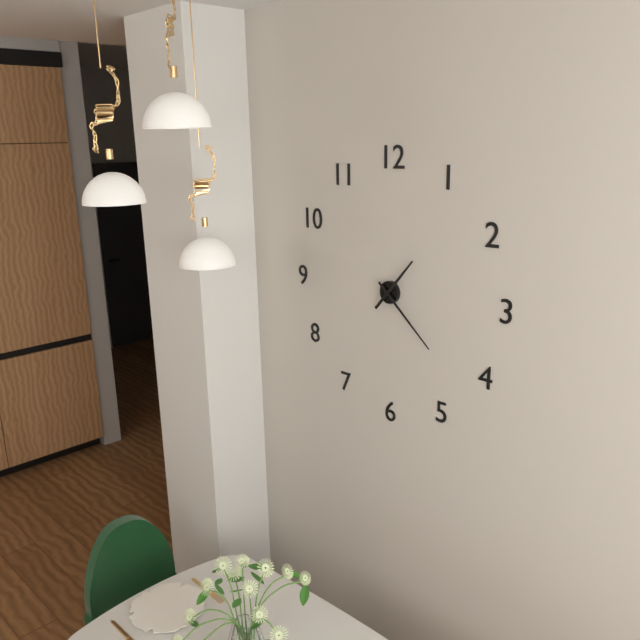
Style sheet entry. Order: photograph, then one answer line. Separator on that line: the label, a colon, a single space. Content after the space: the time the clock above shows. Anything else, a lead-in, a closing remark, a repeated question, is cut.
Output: 1:22
